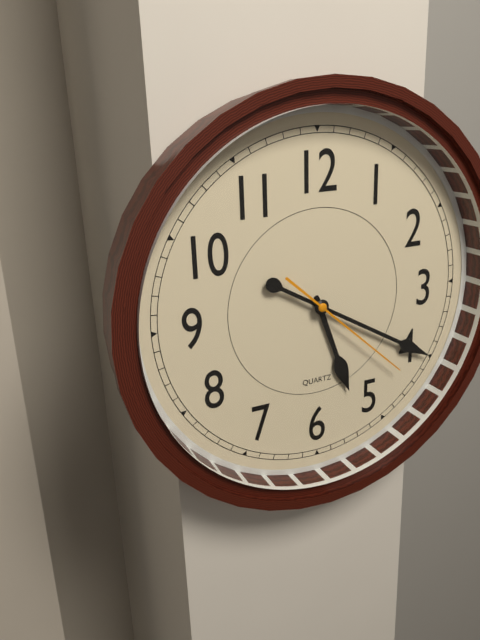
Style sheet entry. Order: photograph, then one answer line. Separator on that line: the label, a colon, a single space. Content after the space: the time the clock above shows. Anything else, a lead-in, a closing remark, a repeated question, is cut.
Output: 5:20:22
